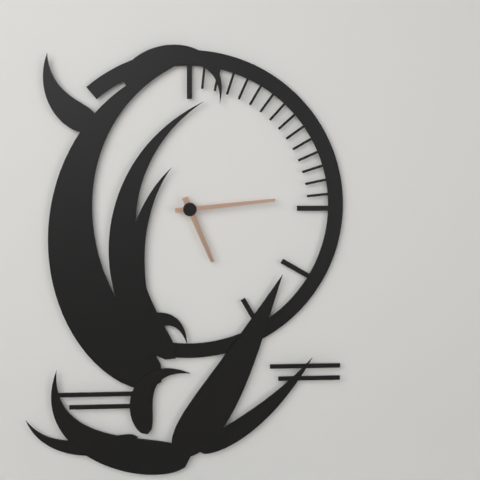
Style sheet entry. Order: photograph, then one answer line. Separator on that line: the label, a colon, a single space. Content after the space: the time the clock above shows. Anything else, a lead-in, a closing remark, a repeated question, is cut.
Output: 5:14
